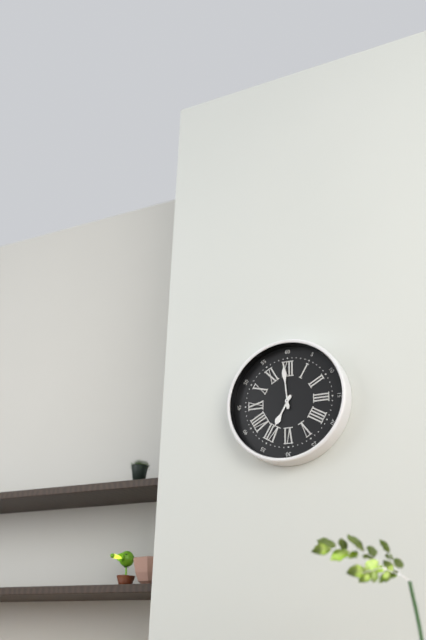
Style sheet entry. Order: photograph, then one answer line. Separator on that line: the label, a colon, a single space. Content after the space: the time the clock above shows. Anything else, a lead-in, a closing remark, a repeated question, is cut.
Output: 6:59
